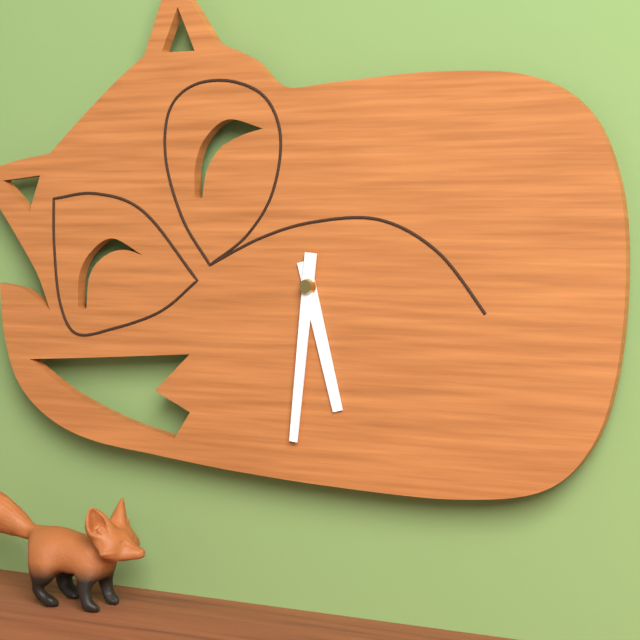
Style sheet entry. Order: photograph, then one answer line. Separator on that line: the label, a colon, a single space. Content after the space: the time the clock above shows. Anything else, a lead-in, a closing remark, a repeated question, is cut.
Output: 5:31
